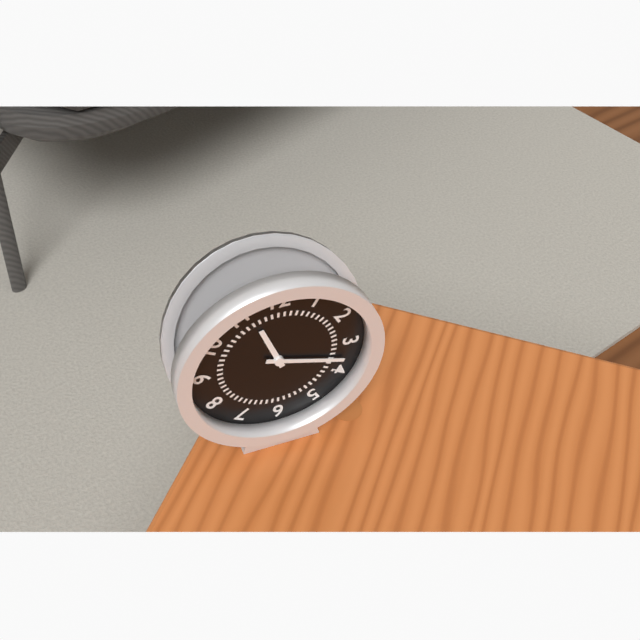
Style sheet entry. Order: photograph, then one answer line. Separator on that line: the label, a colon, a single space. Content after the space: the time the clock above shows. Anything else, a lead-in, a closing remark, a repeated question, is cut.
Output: 11:18
